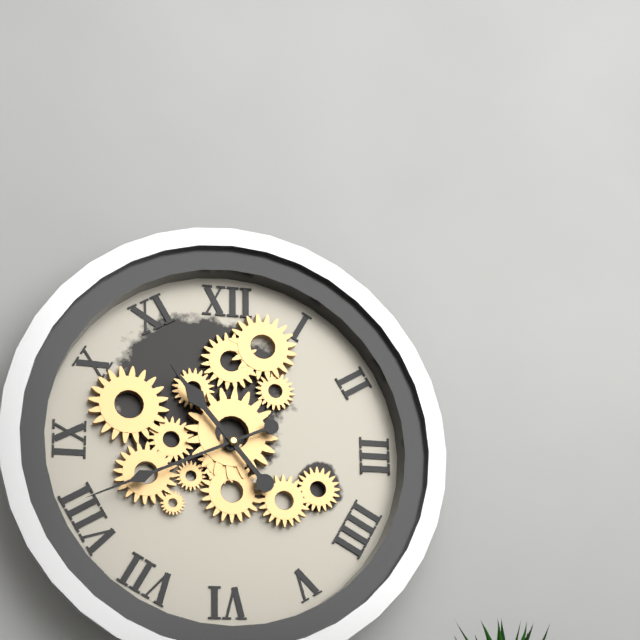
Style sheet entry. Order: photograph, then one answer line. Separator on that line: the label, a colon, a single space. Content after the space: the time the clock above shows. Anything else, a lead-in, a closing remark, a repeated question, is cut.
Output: 10:41
